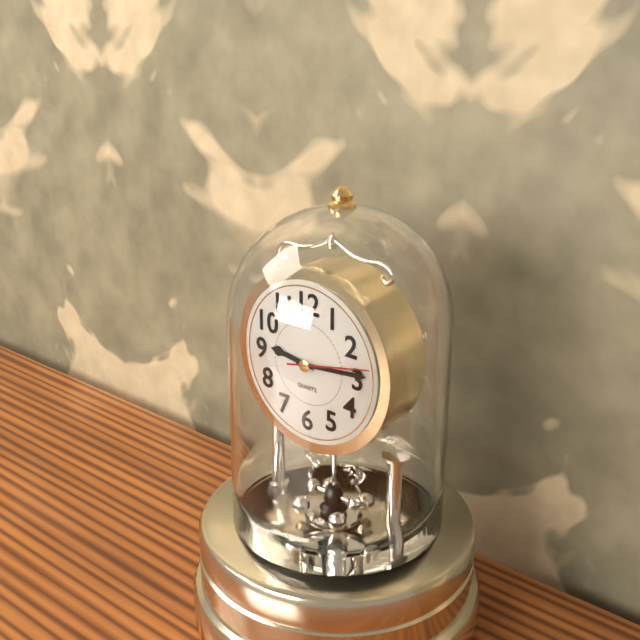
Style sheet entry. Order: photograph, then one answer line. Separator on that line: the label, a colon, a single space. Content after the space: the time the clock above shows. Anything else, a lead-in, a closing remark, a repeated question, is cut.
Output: 9:14:13
